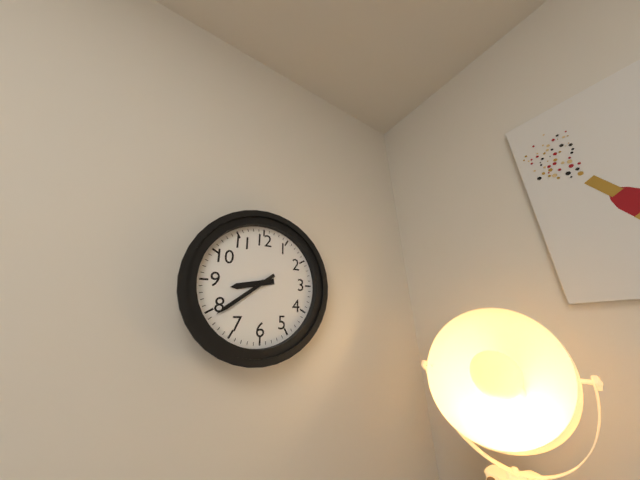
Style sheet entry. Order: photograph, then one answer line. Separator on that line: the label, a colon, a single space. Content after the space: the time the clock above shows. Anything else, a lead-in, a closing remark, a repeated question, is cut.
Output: 8:39
